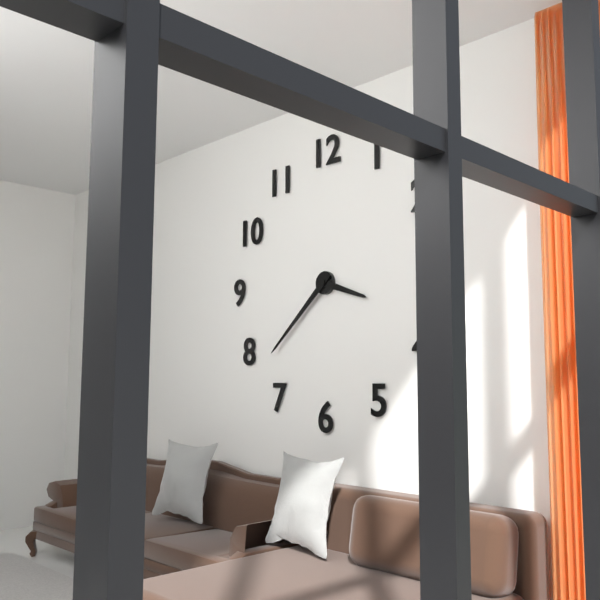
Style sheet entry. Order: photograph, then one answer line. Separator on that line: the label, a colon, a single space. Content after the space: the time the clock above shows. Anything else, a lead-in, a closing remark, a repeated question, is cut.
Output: 3:38
